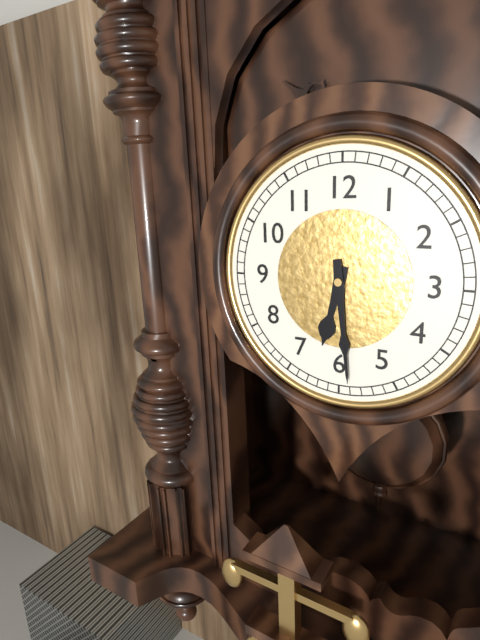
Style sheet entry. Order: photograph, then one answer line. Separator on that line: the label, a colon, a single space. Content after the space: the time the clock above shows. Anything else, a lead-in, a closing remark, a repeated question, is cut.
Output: 6:29
